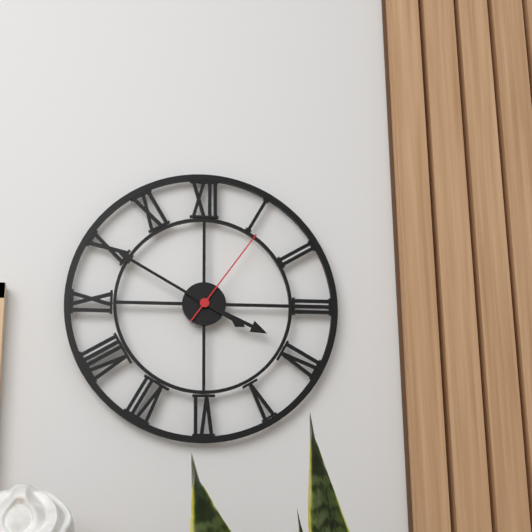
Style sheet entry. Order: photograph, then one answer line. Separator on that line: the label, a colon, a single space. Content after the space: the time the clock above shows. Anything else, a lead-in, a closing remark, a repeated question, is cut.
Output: 3:50:06
